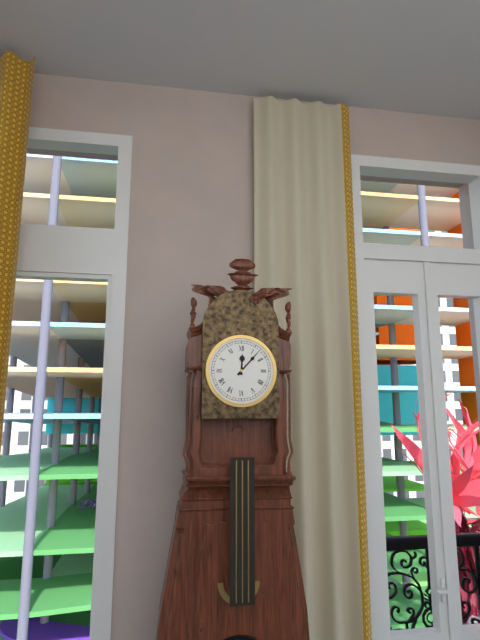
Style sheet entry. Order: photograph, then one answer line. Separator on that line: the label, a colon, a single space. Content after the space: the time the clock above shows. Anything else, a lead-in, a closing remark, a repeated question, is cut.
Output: 12:07
